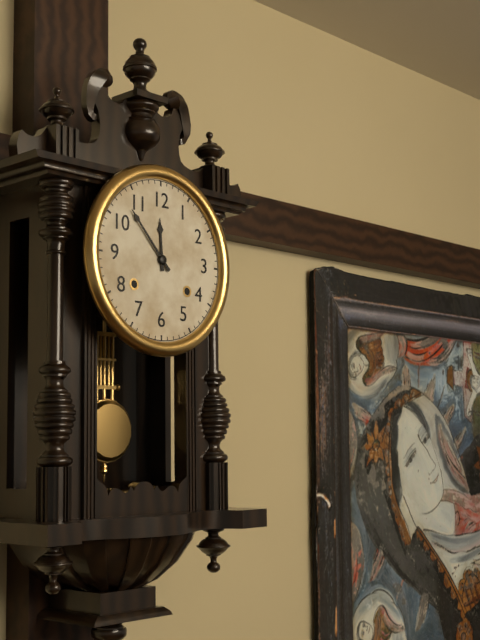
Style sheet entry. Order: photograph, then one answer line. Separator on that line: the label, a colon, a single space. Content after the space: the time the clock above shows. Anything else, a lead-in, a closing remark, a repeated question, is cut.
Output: 11:53
